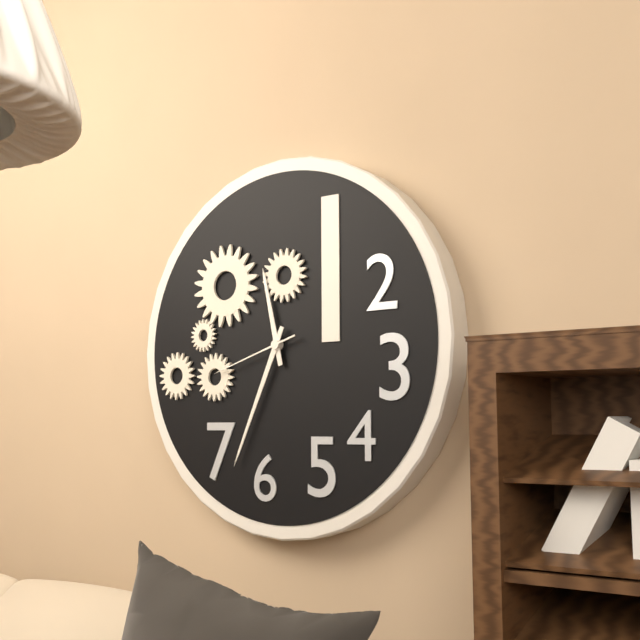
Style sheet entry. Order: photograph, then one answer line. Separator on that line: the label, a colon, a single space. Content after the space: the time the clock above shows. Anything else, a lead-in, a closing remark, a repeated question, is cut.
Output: 11:34:42
